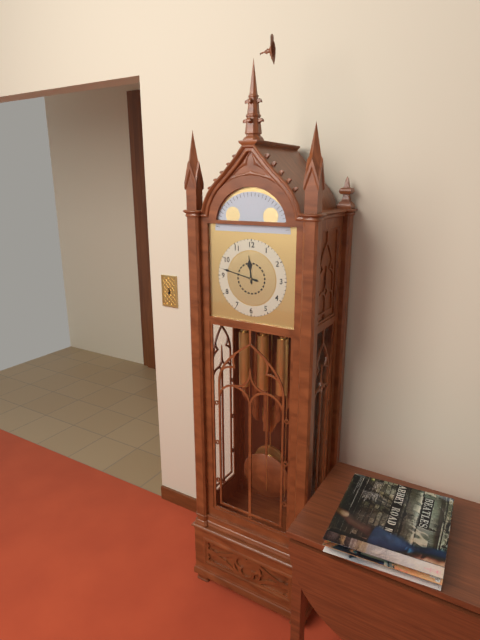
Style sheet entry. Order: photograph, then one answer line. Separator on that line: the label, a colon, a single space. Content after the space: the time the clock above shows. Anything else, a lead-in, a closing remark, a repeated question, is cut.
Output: 11:47
